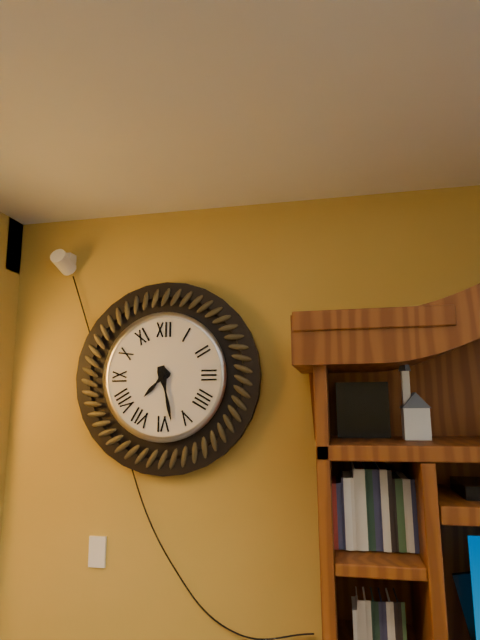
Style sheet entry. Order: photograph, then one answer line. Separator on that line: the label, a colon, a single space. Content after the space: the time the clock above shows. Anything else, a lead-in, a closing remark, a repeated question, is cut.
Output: 7:28
